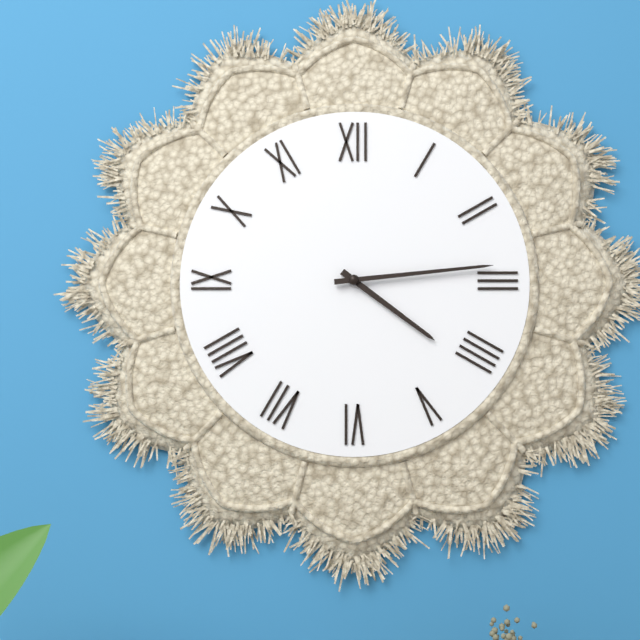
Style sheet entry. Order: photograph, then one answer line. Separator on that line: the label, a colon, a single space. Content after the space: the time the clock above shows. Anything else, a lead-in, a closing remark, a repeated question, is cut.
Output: 4:14
